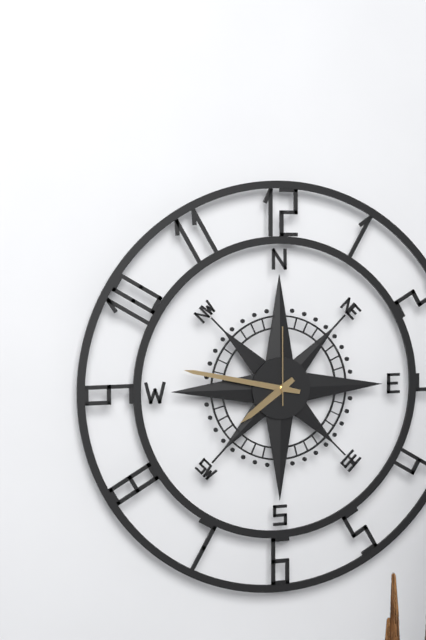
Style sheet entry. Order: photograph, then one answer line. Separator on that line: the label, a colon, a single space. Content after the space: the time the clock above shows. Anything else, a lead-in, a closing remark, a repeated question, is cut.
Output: 7:47:00
